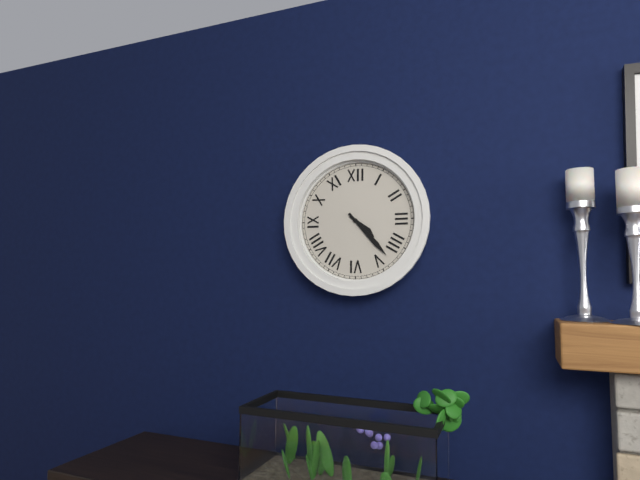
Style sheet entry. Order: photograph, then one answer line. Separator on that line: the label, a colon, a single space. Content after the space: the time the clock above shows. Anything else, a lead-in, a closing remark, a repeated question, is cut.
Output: 4:23
